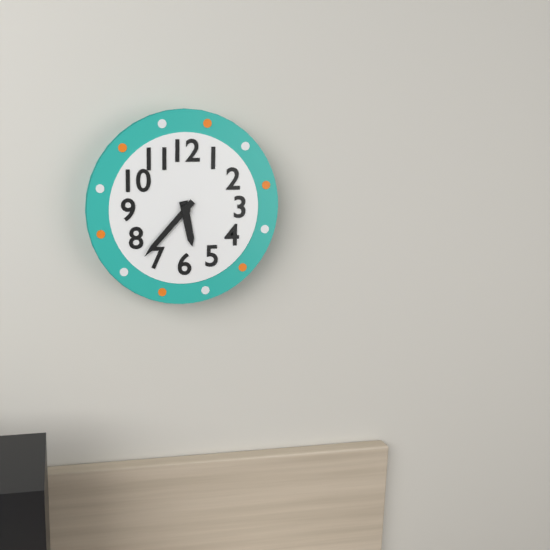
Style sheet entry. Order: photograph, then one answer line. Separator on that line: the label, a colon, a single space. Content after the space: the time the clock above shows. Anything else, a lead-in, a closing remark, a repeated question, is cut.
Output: 5:37
